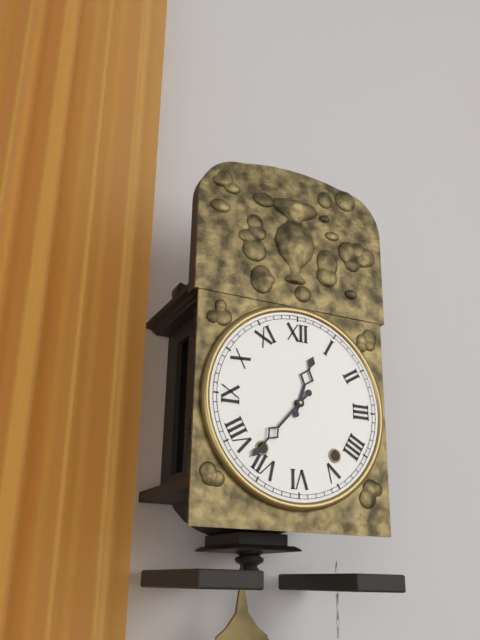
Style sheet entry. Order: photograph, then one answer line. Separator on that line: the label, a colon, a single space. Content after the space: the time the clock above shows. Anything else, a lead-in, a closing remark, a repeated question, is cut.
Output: 12:37
